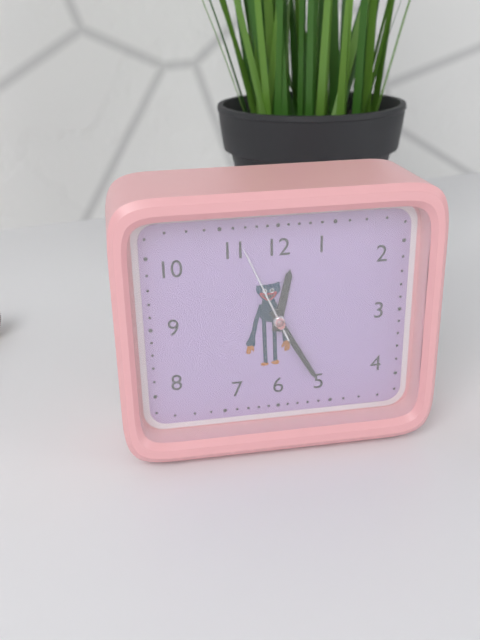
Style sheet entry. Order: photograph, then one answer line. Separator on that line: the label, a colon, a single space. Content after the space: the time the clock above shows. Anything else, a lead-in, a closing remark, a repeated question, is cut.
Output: 12:25:56
